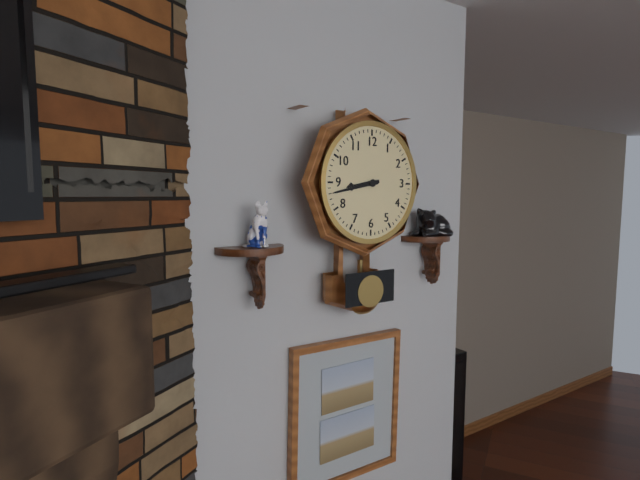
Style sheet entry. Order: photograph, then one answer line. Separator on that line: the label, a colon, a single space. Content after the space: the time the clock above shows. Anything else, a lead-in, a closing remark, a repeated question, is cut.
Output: 8:43
